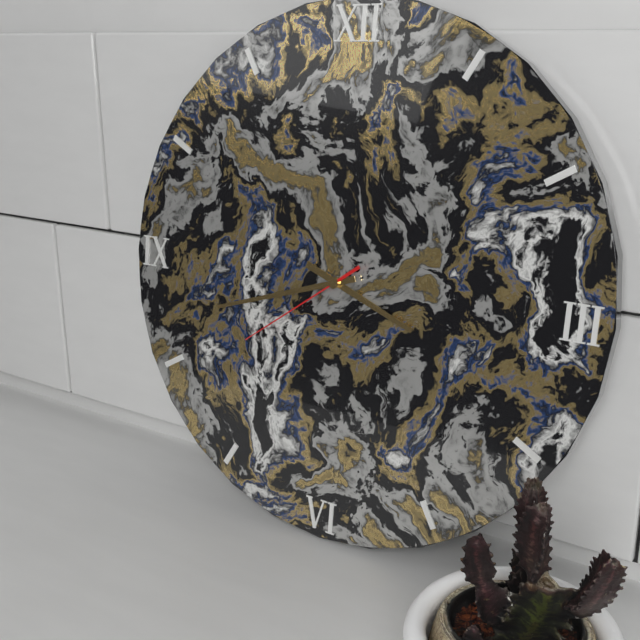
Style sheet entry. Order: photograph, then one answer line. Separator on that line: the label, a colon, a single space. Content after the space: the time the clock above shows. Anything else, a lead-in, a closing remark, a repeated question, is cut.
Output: 3:42:39
